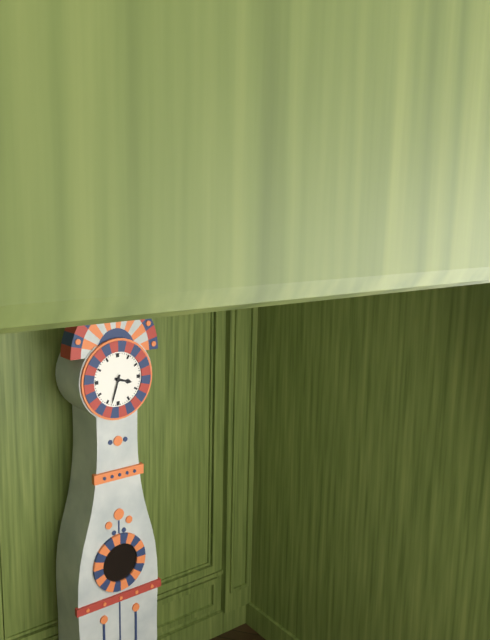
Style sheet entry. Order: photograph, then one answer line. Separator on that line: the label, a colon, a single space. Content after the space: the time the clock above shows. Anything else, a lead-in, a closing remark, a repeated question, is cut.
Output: 3:33
